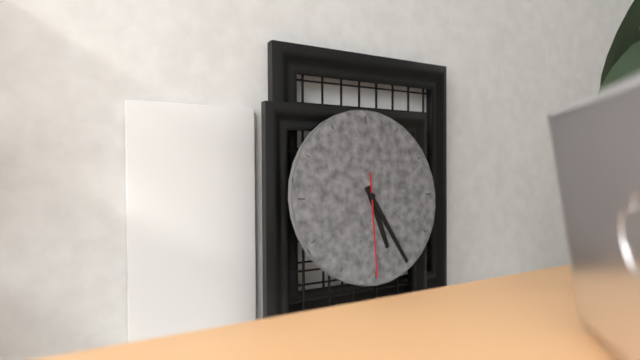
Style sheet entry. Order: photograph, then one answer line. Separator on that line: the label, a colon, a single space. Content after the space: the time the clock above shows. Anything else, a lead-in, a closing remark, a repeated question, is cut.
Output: 5:25:30
